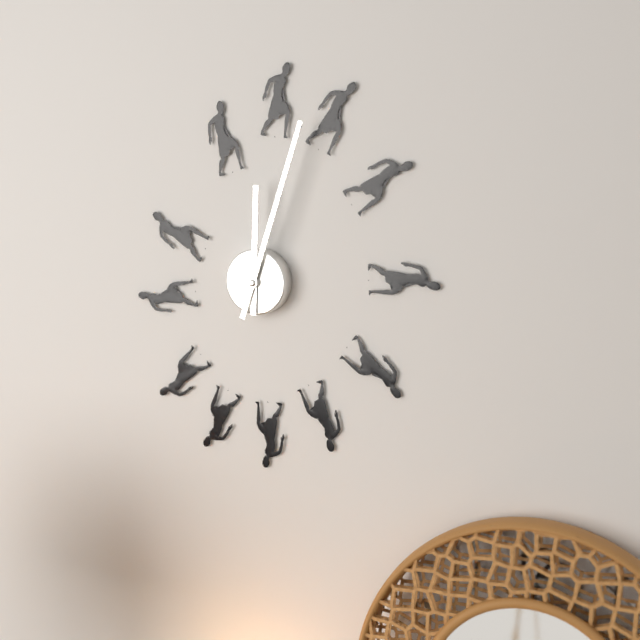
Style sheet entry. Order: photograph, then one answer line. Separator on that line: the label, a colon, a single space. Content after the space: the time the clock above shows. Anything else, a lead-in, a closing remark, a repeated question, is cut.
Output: 12:03
